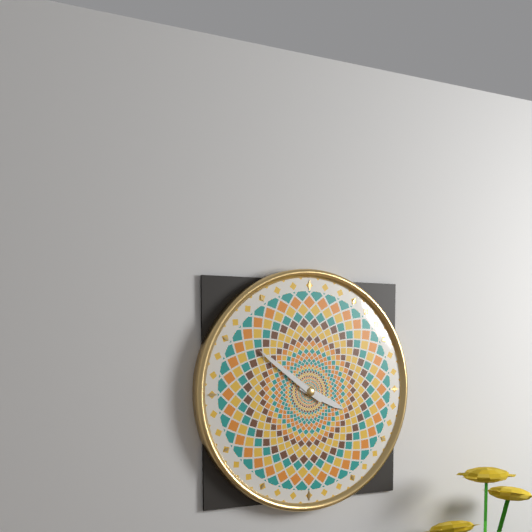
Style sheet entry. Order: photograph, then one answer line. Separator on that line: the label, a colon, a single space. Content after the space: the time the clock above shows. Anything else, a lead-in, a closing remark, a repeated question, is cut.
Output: 3:51
